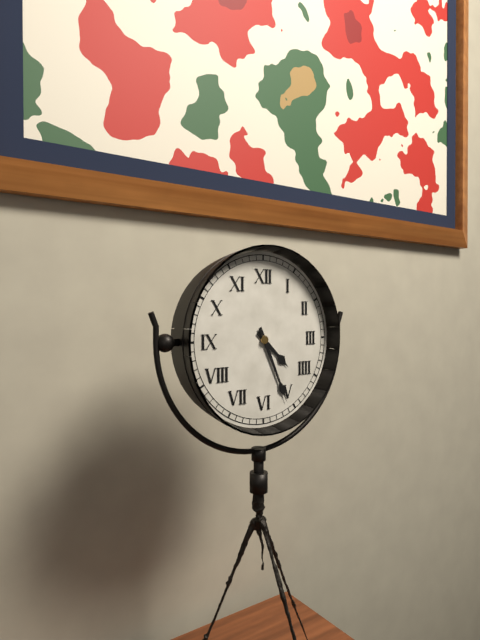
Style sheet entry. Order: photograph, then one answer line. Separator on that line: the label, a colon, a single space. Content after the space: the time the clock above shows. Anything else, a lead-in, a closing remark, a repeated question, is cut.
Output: 4:26
